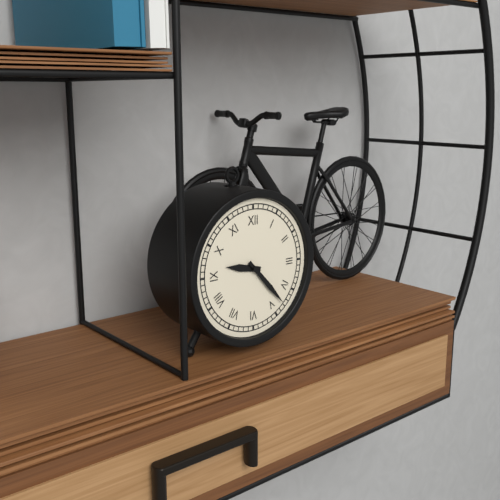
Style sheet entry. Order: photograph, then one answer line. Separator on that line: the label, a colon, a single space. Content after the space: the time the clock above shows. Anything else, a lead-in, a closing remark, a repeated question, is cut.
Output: 9:23
